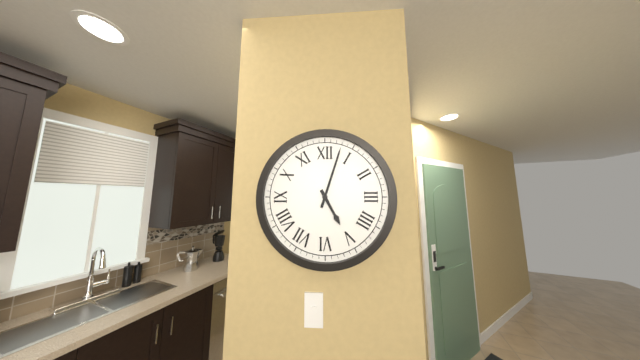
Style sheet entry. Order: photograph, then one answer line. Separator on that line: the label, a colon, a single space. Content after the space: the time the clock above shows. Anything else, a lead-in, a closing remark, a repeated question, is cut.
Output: 5:03
